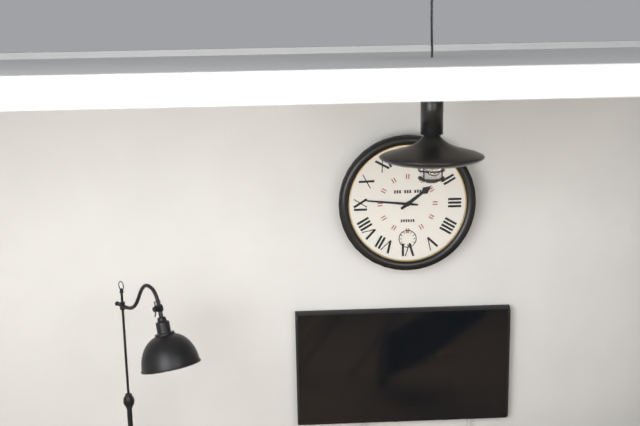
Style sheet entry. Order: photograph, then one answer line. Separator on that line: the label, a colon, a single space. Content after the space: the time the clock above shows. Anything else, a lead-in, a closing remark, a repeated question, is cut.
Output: 1:46
